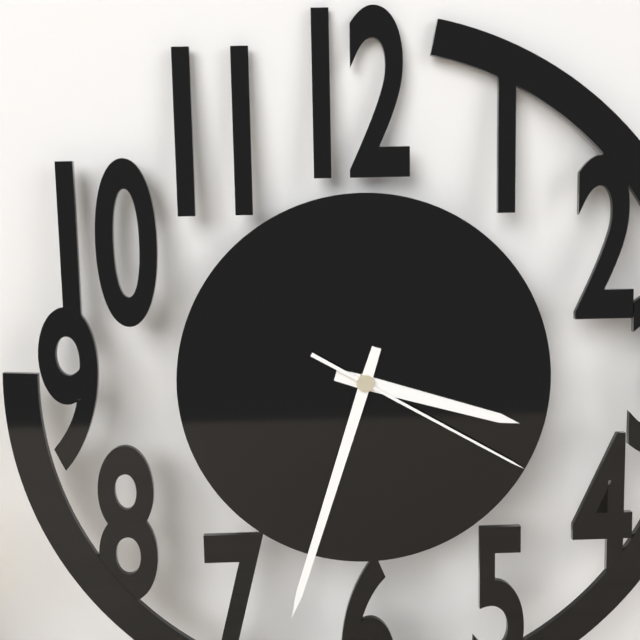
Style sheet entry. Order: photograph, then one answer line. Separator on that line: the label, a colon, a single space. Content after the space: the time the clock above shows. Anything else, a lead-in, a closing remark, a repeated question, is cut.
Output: 3:33:20
